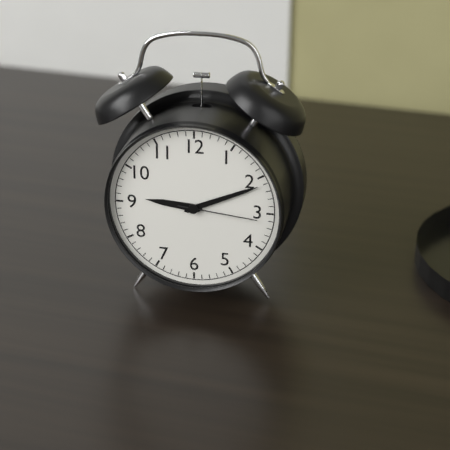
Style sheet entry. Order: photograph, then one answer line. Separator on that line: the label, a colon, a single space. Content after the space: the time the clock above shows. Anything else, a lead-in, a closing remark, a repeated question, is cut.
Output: 9:11:16
